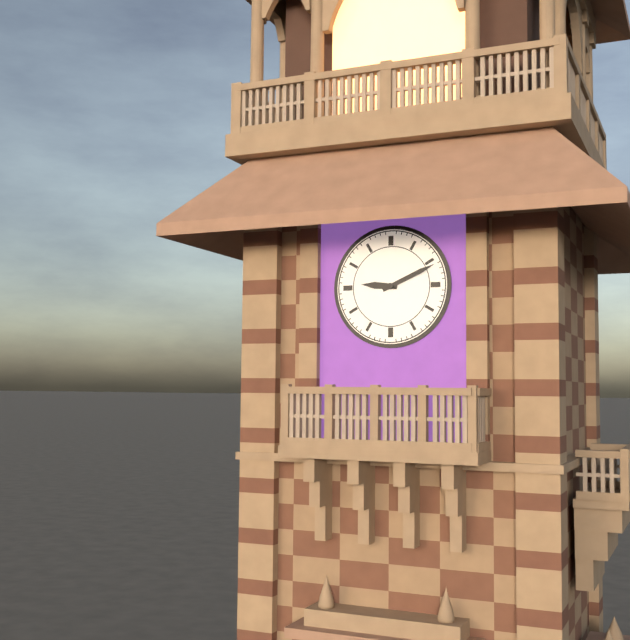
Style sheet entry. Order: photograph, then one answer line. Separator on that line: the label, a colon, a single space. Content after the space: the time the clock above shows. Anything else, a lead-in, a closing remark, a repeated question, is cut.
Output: 9:11
